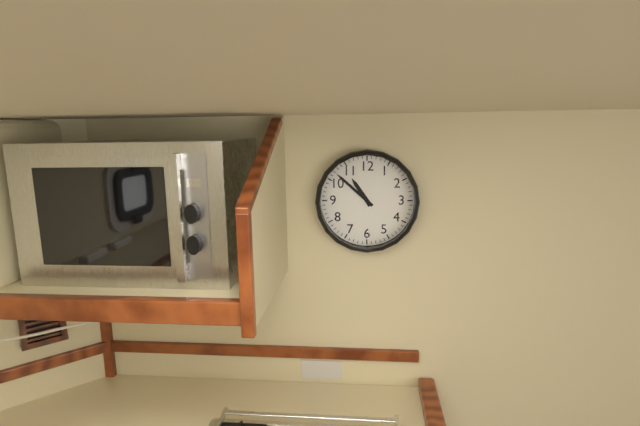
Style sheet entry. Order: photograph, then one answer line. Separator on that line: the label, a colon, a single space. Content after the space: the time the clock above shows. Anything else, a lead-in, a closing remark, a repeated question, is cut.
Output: 10:52
